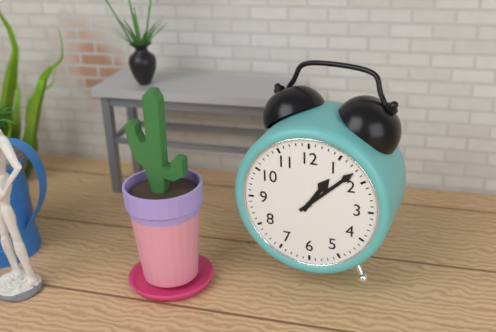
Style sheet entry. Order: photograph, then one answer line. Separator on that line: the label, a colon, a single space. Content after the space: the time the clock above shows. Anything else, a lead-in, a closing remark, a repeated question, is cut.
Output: 1:08
